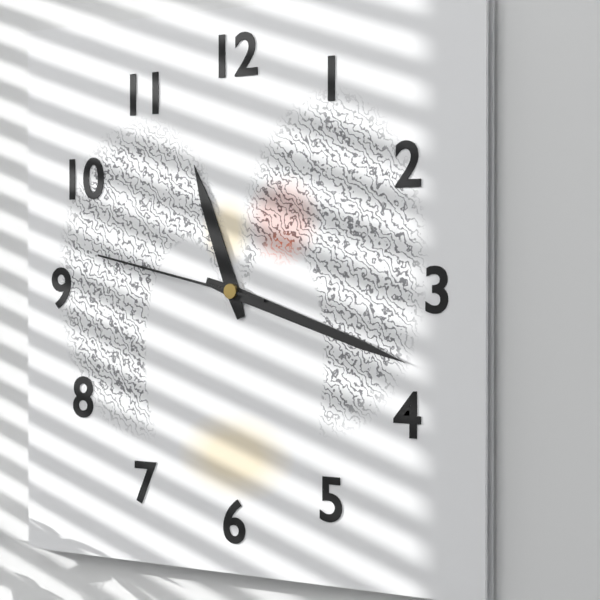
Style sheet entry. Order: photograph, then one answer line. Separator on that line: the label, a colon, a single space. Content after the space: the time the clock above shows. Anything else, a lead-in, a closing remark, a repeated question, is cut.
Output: 11:18:47
